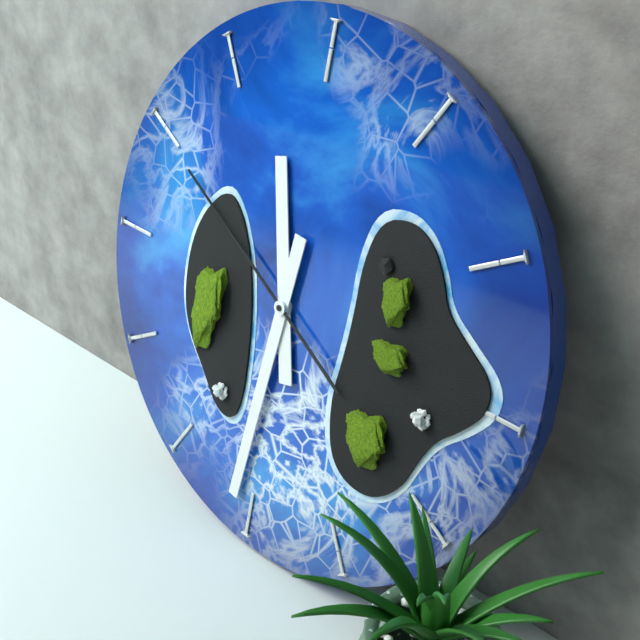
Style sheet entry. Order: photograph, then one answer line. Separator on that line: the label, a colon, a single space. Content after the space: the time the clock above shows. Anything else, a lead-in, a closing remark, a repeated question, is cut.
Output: 11:31:50
